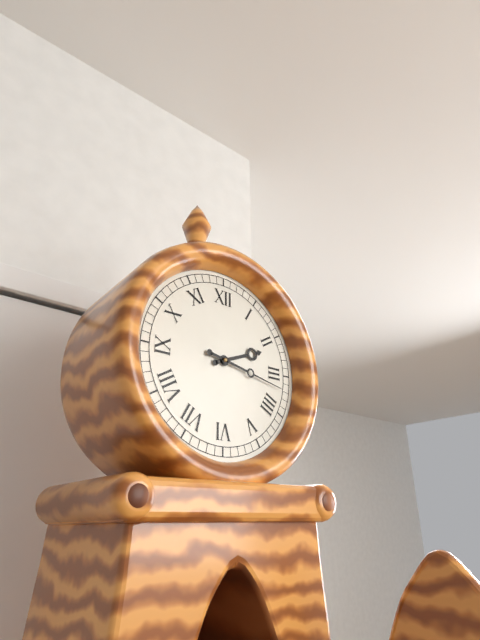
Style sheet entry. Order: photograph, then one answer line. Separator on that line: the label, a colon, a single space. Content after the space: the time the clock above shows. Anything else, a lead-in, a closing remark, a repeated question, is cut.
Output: 2:17
